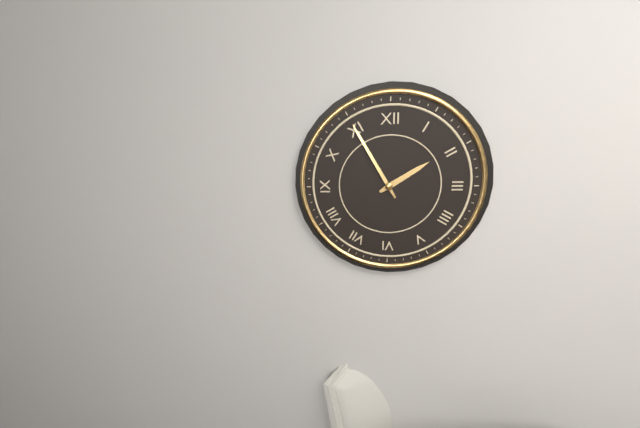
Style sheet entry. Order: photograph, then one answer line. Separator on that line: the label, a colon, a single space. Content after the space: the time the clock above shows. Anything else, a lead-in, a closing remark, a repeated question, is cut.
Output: 1:55
